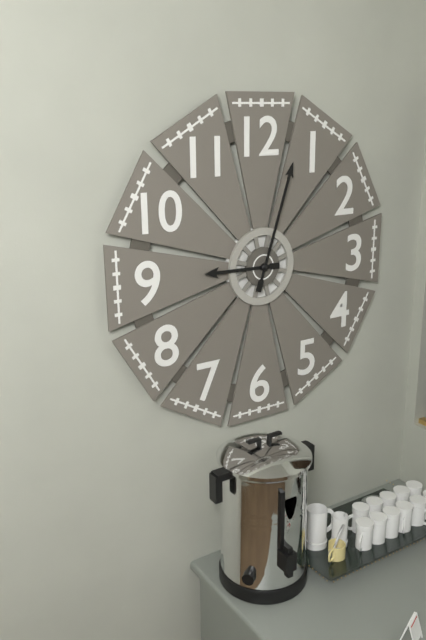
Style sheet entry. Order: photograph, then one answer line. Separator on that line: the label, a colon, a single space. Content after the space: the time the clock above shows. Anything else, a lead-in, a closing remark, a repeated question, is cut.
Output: 9:03
